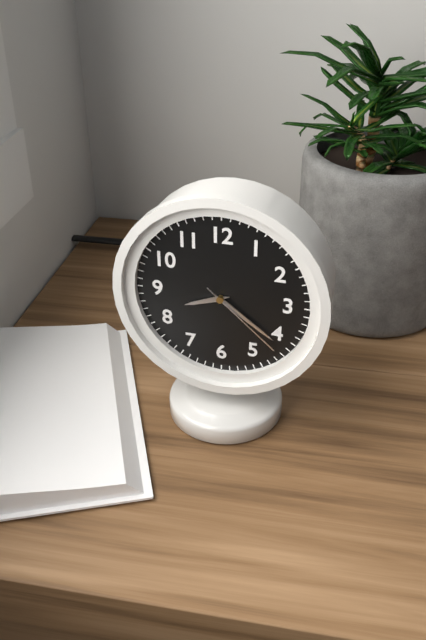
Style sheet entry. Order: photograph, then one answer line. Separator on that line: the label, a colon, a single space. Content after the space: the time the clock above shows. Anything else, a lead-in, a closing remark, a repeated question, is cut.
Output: 8:21:22
